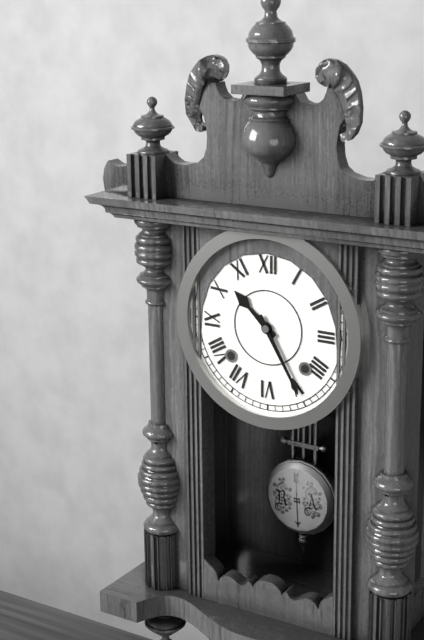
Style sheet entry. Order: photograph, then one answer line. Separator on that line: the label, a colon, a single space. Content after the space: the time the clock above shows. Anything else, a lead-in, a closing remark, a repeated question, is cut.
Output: 10:25
